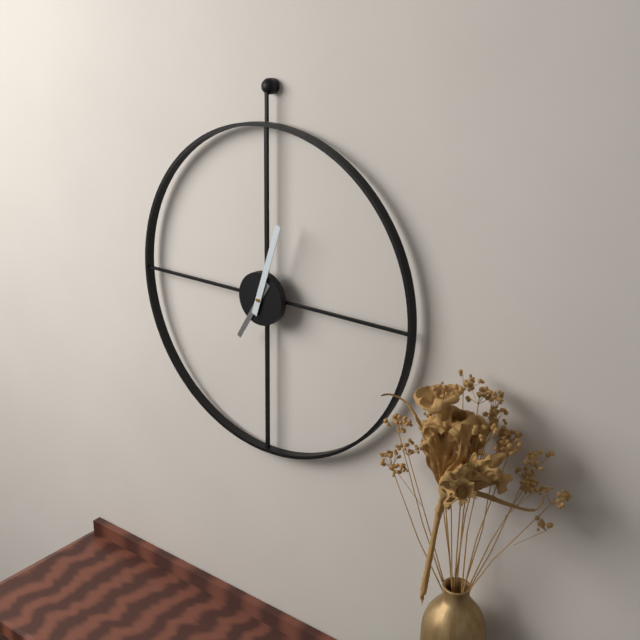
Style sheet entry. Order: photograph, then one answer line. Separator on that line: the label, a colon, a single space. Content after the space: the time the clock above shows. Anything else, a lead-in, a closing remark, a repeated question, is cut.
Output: 7:03
